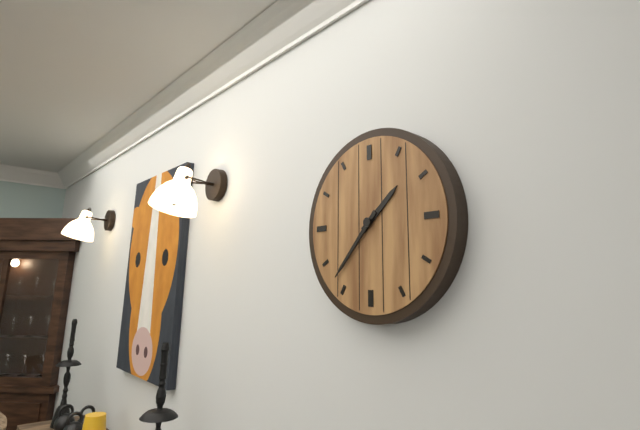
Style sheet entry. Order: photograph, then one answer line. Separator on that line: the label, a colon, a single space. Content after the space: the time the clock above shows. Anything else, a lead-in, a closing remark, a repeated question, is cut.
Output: 1:37
